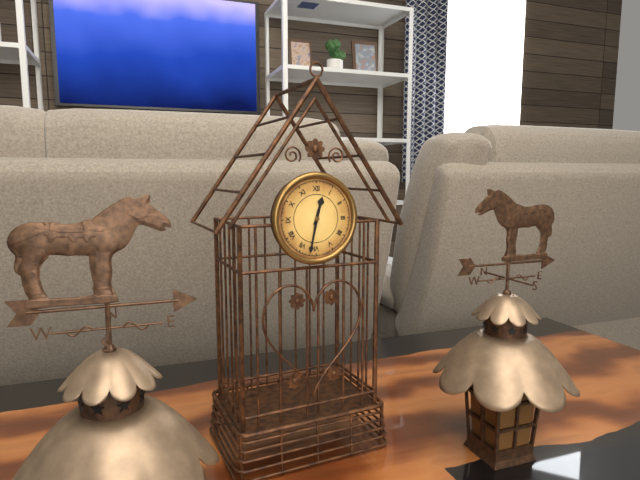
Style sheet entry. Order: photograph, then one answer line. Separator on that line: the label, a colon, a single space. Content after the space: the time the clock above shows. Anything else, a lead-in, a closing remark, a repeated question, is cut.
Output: 12:32
